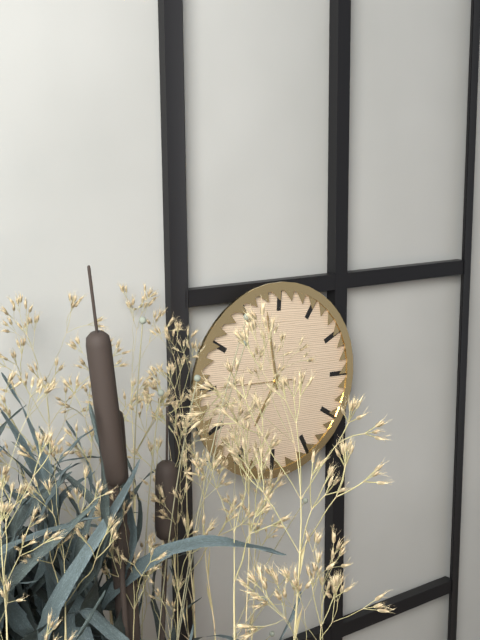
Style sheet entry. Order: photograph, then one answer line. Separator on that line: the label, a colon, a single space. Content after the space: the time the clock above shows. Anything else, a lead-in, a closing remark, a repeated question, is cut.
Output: 6:58:45
